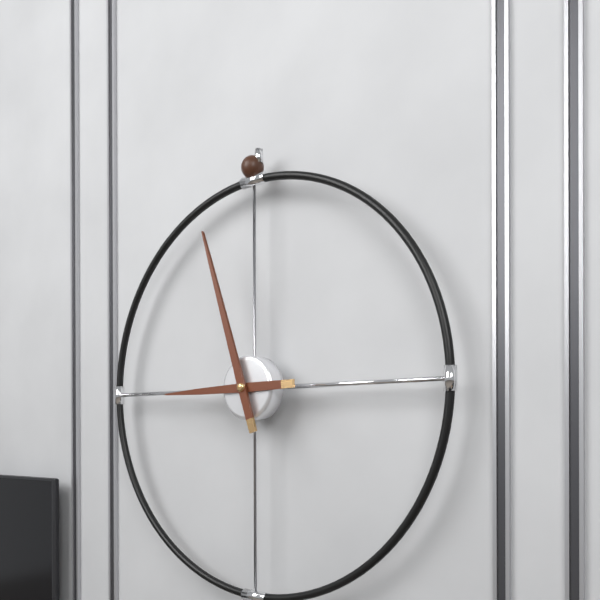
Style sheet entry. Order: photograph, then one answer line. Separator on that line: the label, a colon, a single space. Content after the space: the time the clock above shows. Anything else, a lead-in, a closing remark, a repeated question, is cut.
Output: 8:57
